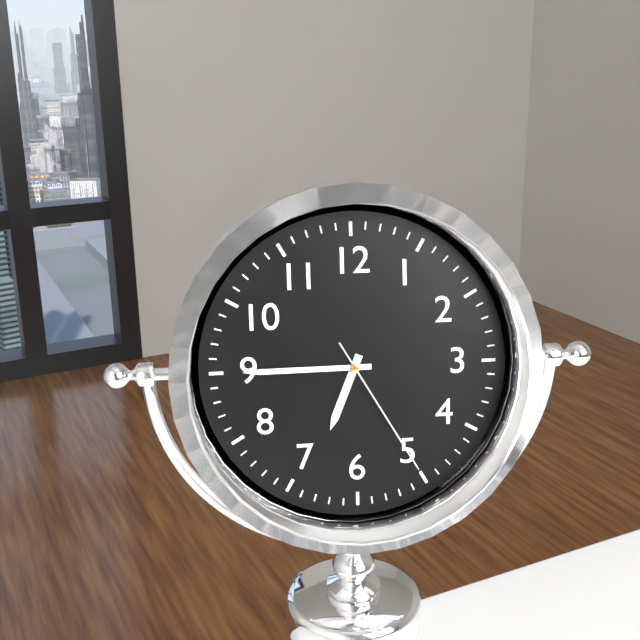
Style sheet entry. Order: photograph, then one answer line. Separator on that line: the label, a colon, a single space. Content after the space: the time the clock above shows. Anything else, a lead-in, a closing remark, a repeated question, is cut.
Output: 6:45:25
